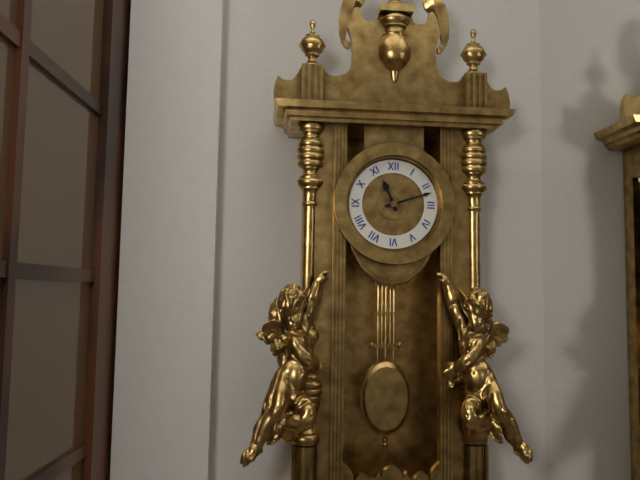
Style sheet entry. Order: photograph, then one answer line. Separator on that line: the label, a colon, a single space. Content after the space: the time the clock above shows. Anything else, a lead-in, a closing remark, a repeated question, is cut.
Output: 11:12
